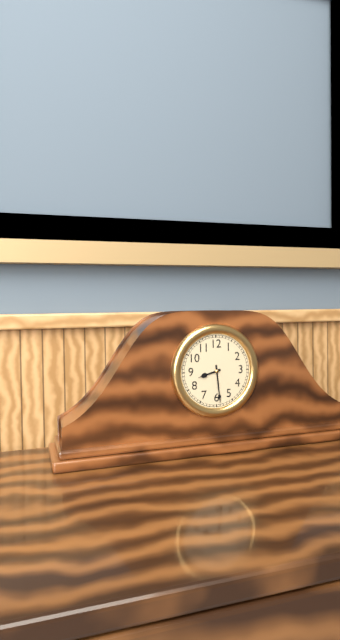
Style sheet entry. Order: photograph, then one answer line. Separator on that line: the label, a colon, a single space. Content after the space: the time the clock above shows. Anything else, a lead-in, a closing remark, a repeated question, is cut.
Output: 8:29
